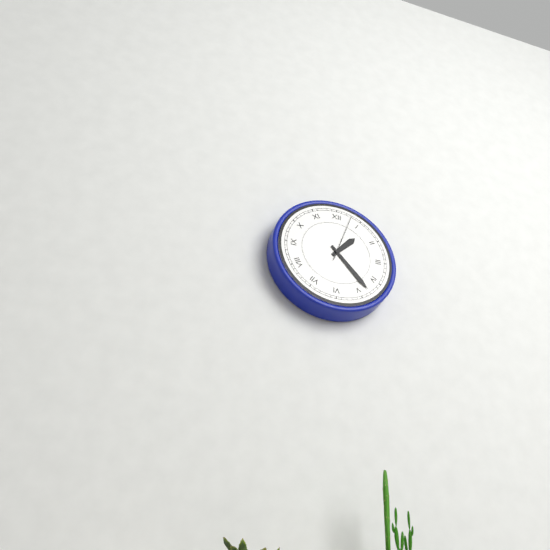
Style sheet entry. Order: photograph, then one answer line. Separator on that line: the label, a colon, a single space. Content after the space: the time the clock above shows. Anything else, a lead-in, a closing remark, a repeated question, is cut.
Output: 1:23
